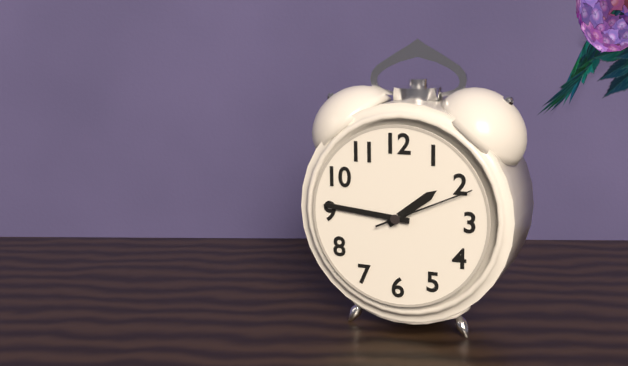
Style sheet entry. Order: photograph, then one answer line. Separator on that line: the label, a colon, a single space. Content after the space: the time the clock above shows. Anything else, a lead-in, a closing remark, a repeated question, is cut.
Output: 1:46:11
